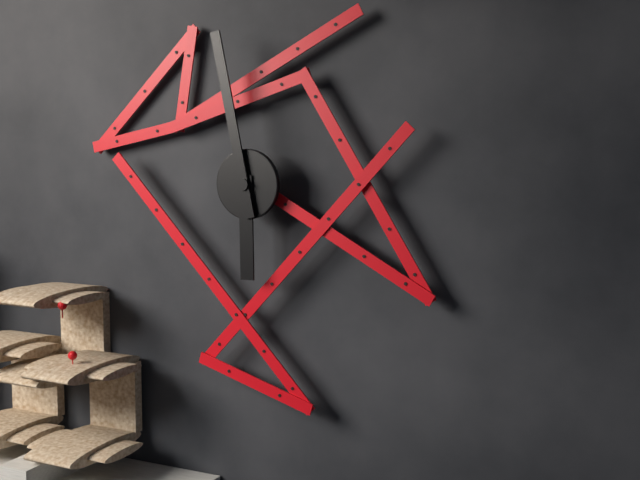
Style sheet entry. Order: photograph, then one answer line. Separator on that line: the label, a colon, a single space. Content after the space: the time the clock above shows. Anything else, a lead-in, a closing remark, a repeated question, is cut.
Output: 5:58
